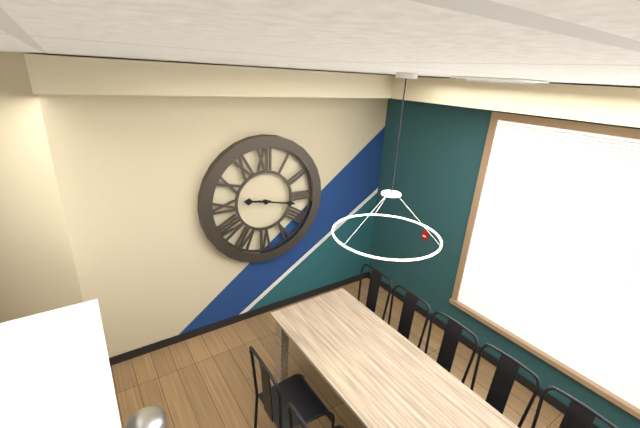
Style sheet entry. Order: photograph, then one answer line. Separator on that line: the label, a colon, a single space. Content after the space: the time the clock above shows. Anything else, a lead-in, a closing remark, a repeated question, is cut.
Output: 9:17
